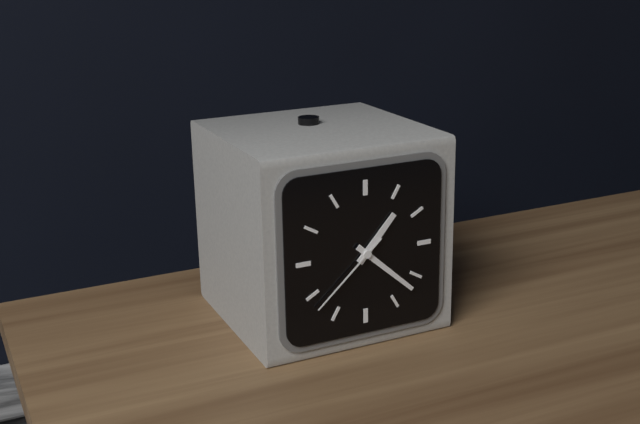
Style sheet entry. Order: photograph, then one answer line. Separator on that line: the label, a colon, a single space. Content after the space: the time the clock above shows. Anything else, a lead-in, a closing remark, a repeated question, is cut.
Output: 1:22:38
